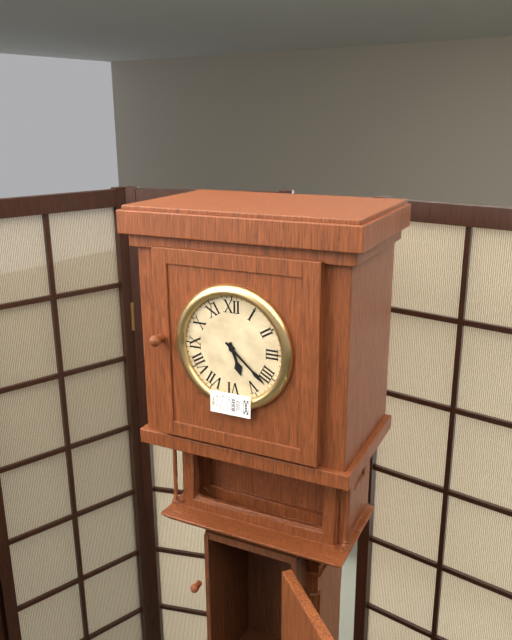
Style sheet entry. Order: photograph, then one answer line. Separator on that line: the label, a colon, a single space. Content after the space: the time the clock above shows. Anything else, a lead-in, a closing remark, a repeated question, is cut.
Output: 5:22
